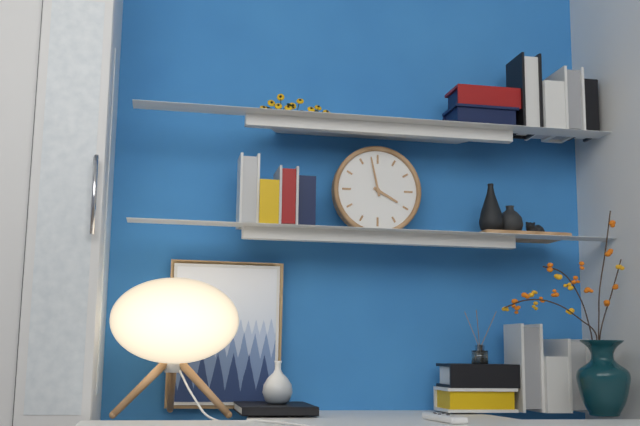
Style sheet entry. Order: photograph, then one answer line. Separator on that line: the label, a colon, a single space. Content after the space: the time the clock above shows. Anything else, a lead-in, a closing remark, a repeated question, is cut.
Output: 3:58
